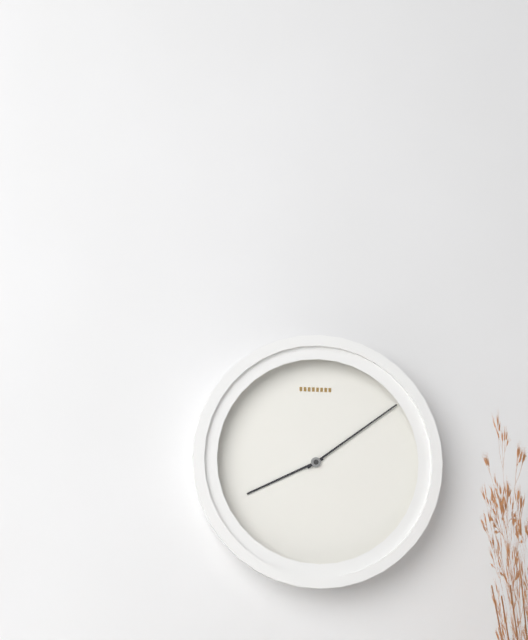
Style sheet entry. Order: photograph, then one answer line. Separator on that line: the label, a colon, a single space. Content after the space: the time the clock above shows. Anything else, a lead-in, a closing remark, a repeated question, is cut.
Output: 8:09
